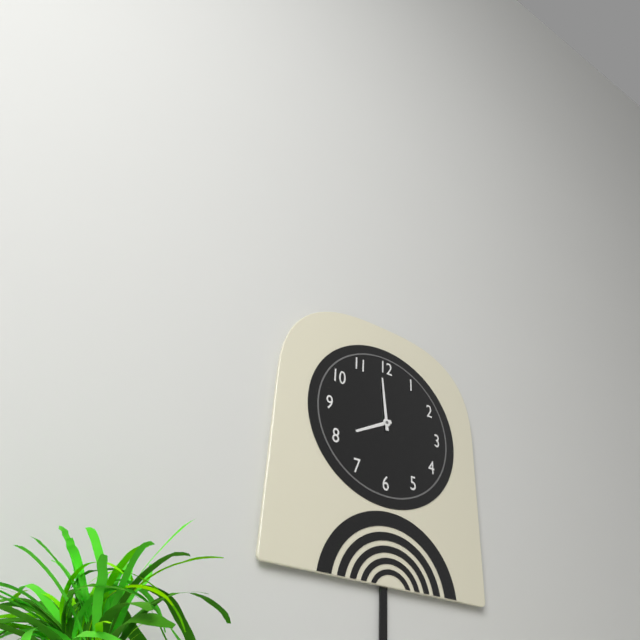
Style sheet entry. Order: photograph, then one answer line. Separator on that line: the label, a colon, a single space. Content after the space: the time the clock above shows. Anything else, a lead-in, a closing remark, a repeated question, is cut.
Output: 7:59
